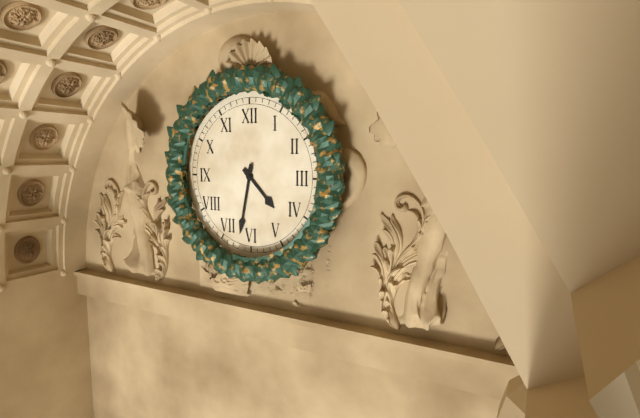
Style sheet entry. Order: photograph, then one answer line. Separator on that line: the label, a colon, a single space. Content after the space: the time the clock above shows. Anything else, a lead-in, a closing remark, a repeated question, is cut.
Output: 4:32
